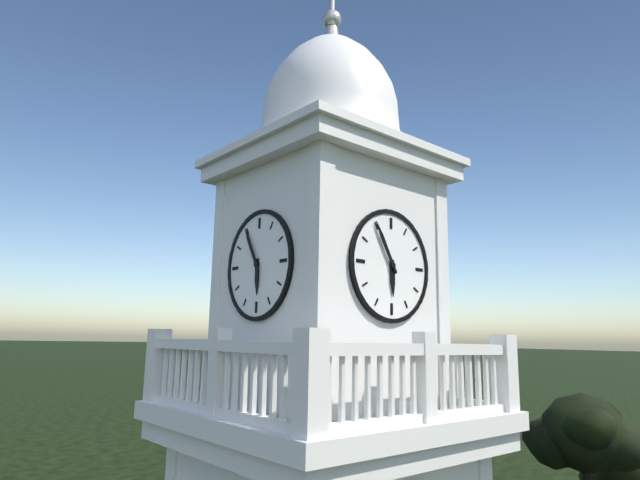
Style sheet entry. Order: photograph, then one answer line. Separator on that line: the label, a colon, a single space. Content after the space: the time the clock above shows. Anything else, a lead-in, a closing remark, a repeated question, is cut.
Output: 5:55
